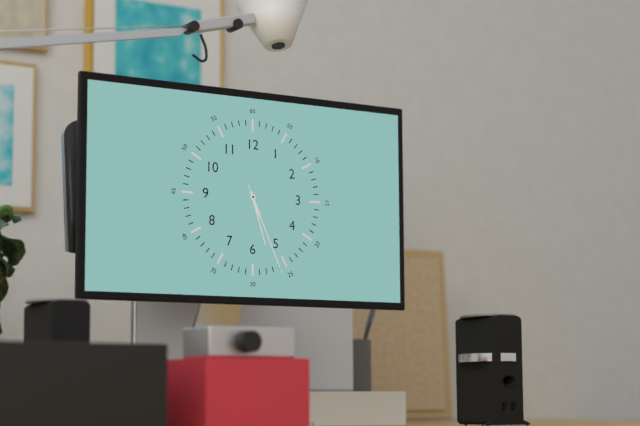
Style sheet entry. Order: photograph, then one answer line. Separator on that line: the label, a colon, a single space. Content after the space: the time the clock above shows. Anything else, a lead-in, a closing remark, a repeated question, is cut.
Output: 5:26:26
